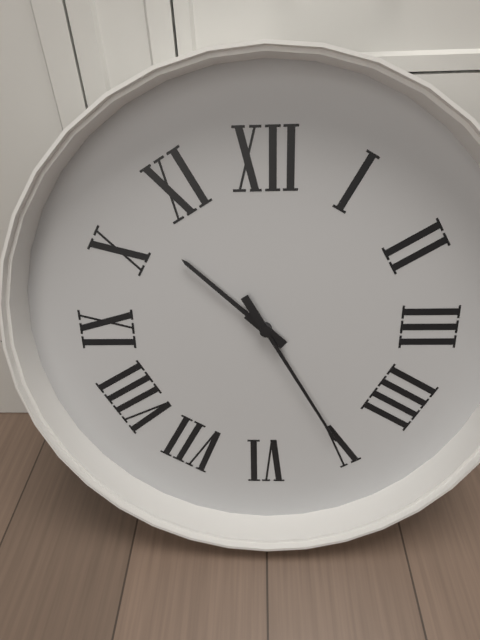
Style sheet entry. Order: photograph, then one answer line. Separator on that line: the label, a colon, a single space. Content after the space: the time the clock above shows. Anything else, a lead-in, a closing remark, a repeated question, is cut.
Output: 10:25
